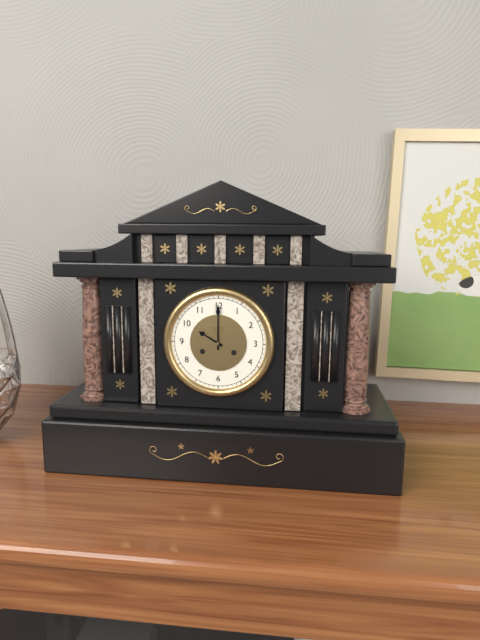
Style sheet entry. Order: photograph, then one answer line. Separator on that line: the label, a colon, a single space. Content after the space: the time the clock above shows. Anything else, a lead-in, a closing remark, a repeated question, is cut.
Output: 10:00
